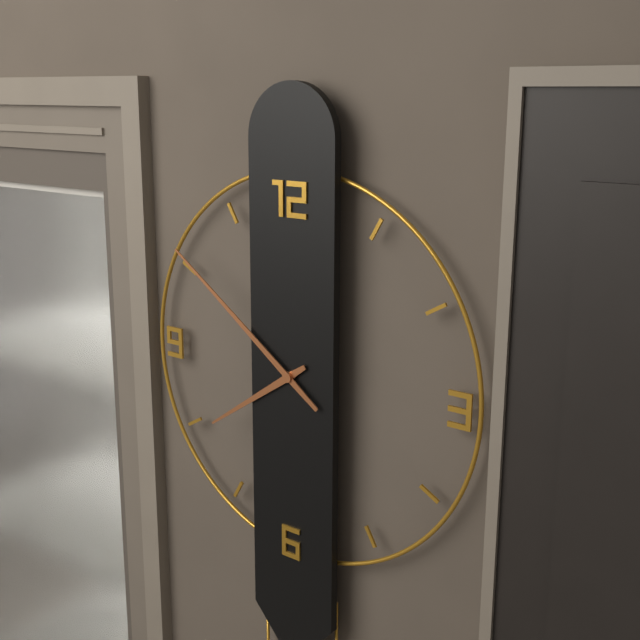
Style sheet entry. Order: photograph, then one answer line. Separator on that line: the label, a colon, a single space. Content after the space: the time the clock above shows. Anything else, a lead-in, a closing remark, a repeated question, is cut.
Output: 7:51
